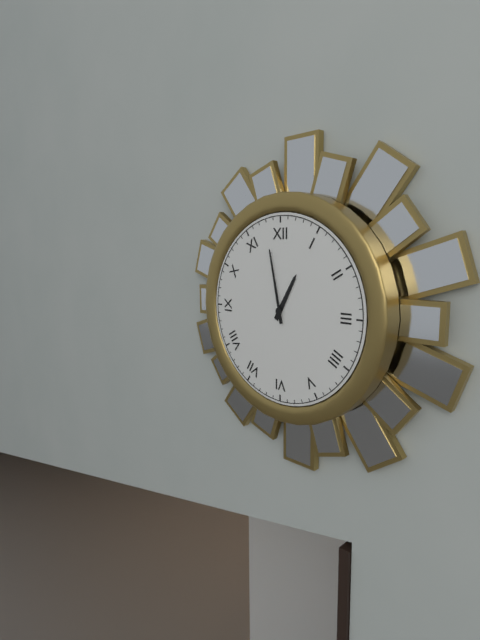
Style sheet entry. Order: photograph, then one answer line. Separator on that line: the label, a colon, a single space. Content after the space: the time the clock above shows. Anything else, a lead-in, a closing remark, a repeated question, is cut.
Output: 12:58
